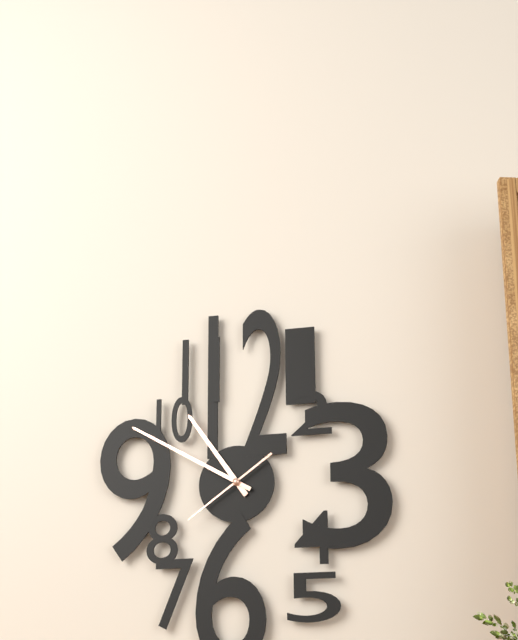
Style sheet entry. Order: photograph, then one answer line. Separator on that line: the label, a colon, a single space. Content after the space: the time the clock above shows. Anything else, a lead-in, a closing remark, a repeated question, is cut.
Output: 10:50:39
